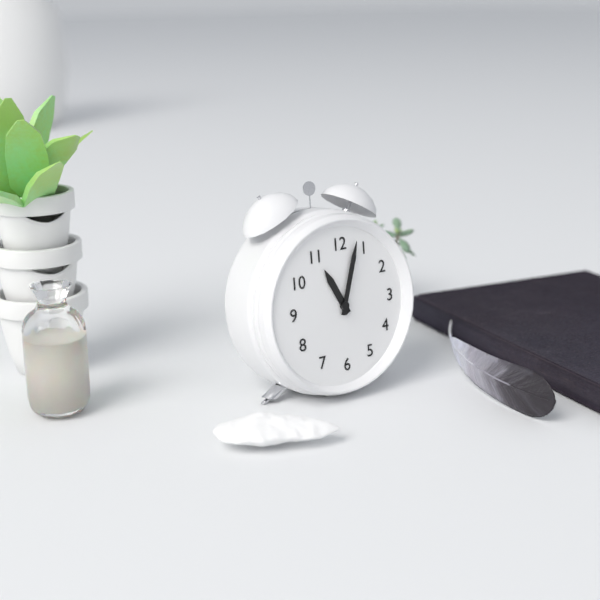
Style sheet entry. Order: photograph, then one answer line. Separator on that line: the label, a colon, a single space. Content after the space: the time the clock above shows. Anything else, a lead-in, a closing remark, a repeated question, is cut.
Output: 11:03
